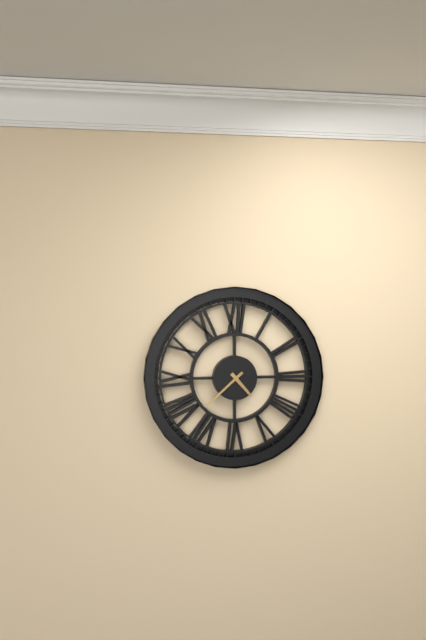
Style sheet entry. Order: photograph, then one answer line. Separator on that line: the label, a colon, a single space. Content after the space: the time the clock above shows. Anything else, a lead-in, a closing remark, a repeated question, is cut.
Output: 4:38
